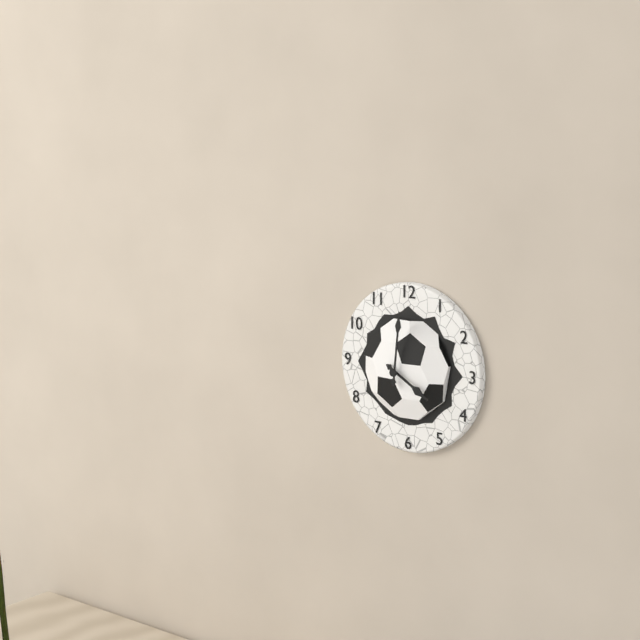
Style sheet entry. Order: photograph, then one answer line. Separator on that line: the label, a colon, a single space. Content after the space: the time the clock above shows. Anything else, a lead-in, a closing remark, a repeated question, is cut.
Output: 4:01
